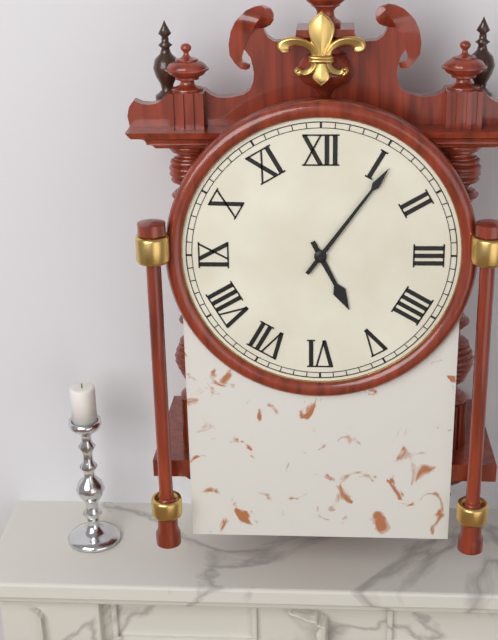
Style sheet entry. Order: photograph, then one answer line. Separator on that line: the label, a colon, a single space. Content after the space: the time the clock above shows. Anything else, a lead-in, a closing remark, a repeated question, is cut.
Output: 5:06
